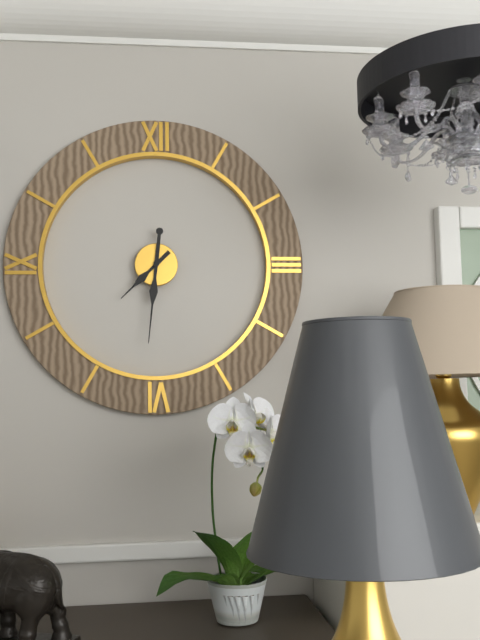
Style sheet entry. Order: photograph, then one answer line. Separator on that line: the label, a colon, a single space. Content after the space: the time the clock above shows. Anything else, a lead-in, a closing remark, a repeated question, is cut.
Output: 7:31
